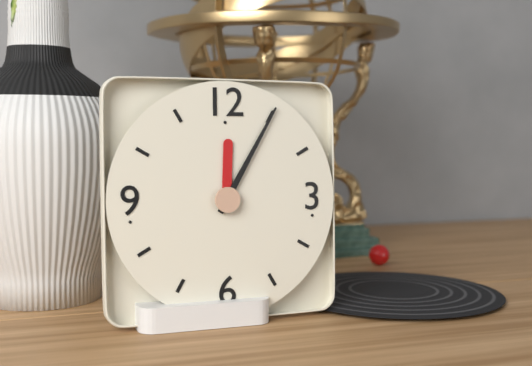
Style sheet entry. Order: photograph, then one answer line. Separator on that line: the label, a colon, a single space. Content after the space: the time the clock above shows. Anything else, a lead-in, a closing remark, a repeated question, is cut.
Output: 12:05
